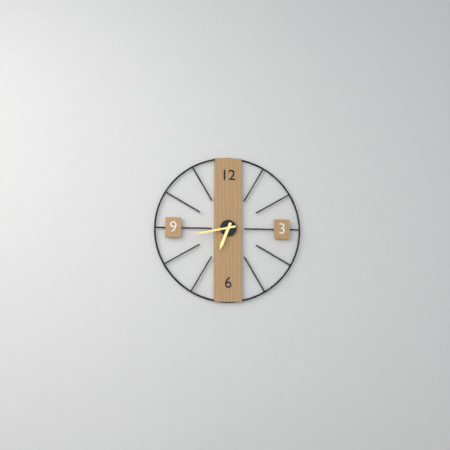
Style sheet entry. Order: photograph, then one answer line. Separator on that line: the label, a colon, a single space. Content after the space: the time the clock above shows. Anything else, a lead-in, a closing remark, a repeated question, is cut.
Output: 6:43
